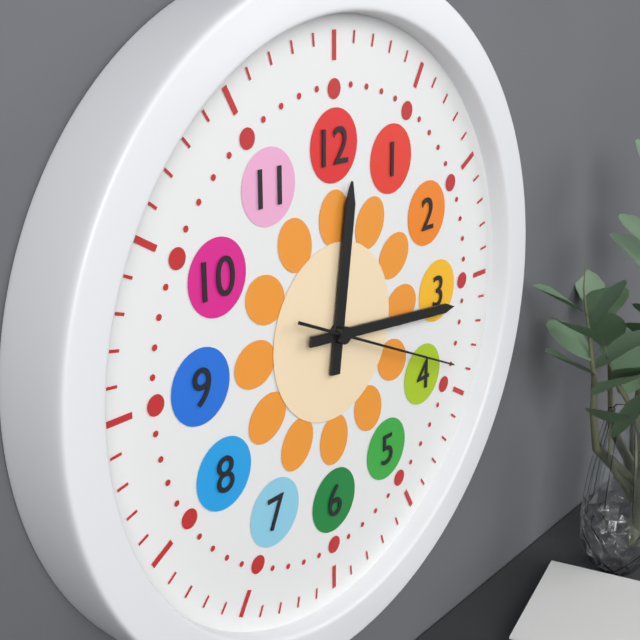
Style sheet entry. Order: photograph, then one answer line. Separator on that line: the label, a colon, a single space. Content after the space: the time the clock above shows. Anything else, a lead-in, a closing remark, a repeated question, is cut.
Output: 12:16:19
